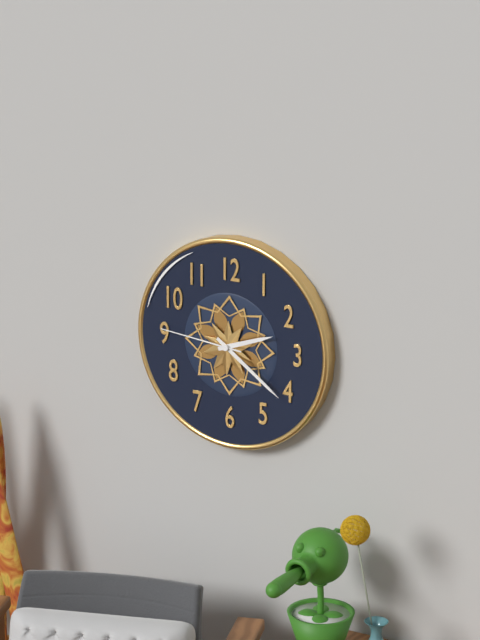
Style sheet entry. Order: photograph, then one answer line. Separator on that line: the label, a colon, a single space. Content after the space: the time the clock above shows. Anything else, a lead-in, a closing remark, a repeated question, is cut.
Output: 2:21:46
